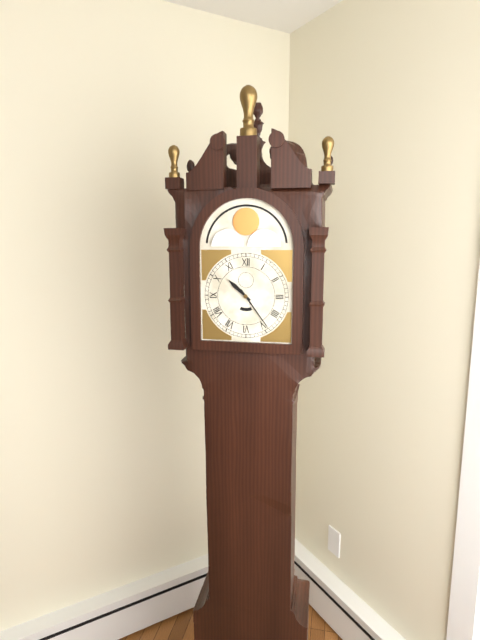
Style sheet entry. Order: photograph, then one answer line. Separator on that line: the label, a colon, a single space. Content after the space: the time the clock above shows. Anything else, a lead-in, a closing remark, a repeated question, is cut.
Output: 10:24
